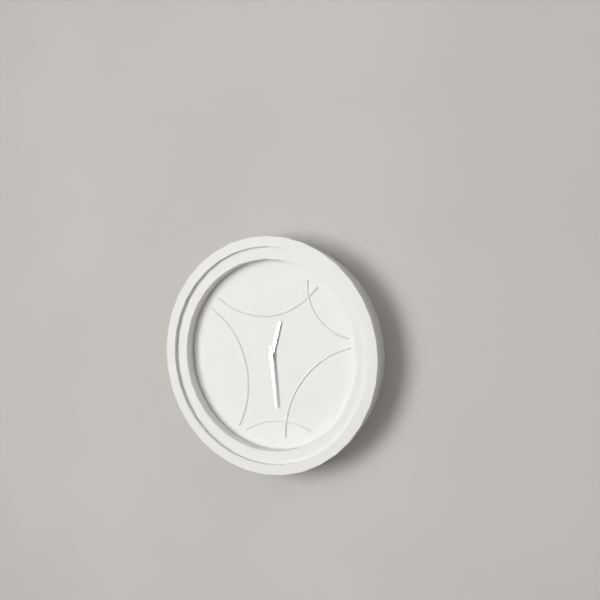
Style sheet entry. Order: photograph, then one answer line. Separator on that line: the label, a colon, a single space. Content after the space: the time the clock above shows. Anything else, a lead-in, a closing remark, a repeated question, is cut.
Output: 12:29
